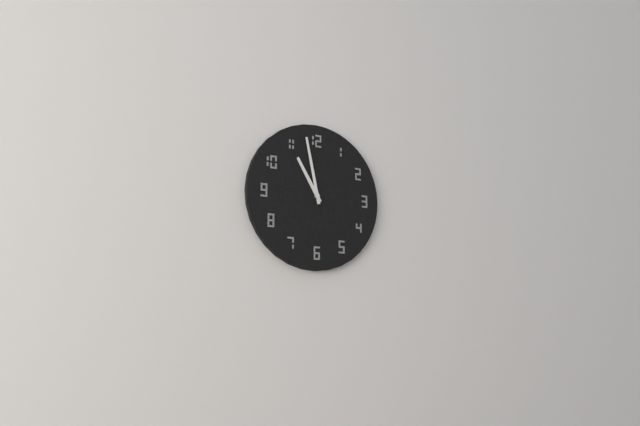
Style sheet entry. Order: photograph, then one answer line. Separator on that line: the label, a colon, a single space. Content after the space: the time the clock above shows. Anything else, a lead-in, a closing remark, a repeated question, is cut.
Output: 10:58
